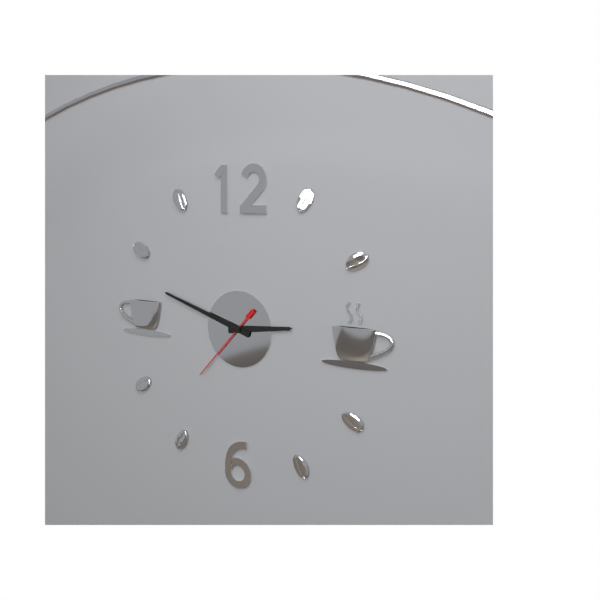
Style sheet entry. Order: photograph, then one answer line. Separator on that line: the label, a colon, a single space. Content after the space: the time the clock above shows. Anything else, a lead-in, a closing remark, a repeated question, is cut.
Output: 2:48:37
